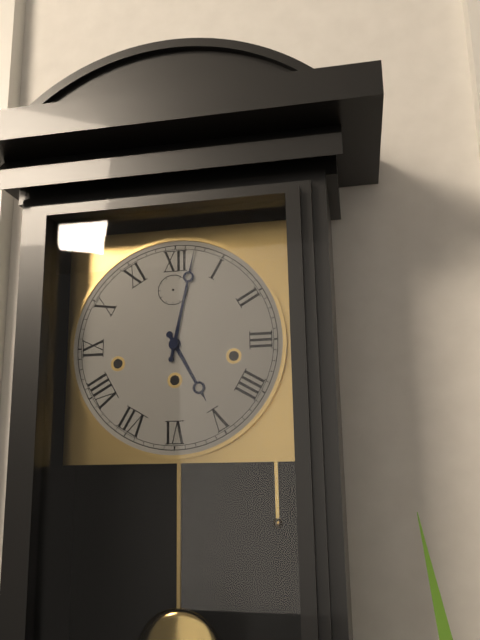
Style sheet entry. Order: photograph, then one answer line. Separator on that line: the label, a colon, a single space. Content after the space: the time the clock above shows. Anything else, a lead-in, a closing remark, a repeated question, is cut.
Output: 5:02
